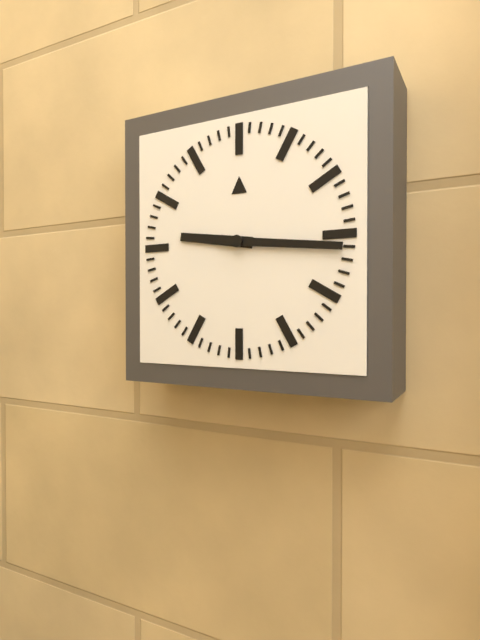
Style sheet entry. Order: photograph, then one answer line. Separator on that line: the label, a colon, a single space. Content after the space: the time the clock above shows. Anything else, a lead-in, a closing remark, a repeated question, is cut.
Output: 9:16
